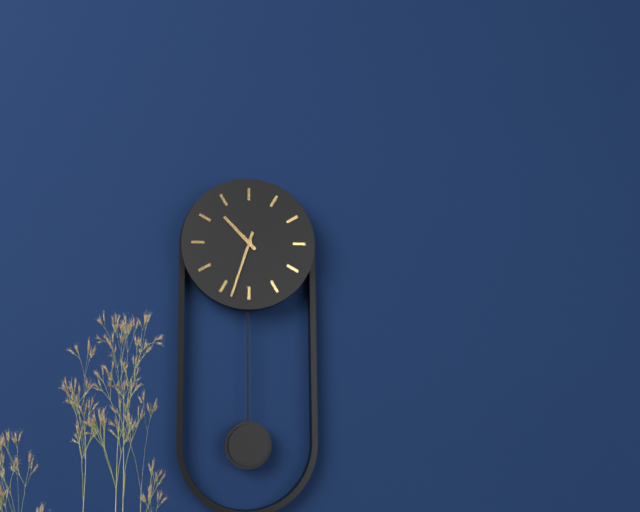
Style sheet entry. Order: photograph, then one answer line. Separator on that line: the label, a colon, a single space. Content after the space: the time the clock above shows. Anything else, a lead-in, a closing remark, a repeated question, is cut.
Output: 10:33
